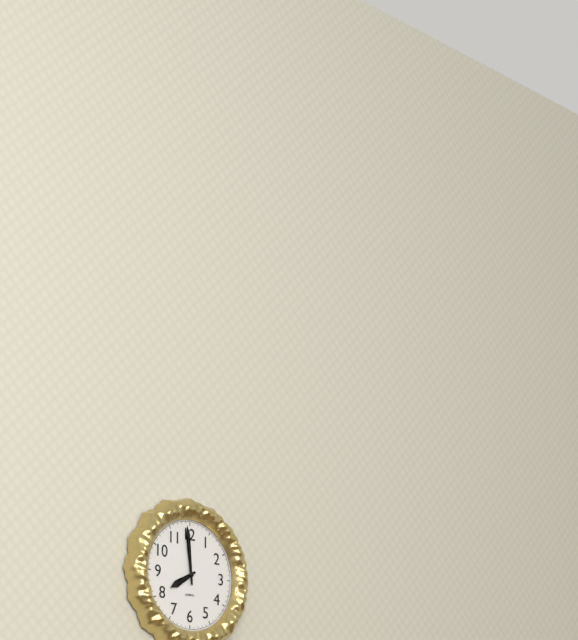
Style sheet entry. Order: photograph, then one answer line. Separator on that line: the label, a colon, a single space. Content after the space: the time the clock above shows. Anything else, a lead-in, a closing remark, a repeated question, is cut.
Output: 7:59
